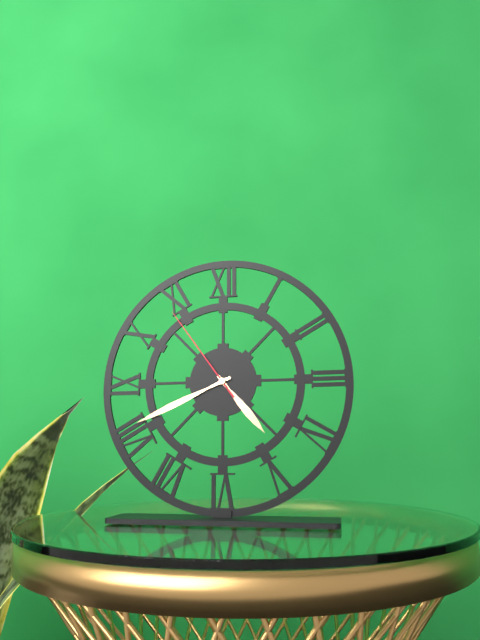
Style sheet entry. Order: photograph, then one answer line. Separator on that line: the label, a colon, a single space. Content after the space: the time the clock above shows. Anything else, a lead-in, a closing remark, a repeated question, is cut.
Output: 4:41:54
